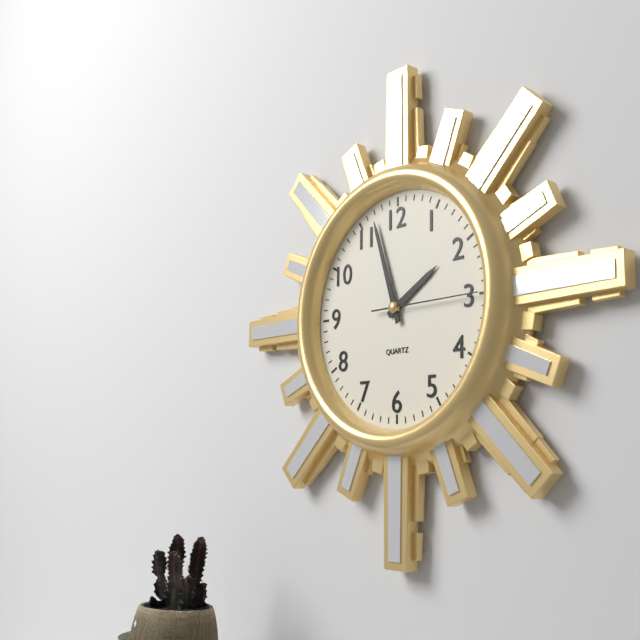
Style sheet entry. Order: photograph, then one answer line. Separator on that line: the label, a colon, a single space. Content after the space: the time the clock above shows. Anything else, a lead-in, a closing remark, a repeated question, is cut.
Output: 1:57:15
